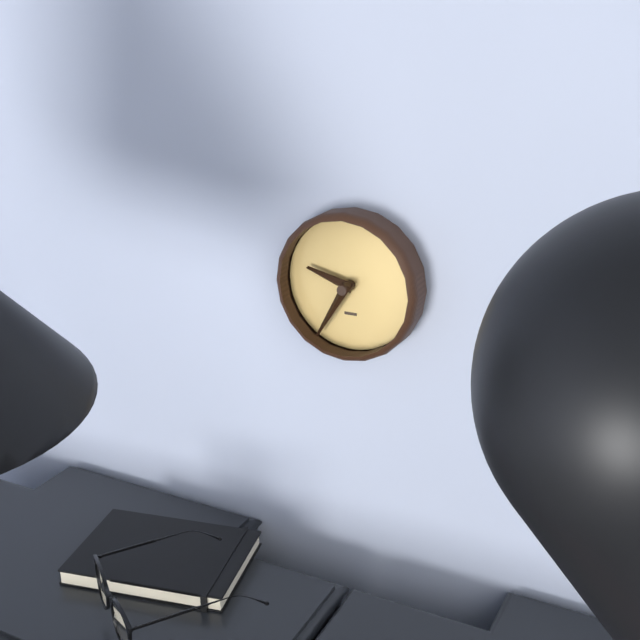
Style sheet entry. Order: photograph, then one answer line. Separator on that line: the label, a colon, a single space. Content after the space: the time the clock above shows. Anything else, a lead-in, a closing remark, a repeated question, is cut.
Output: 9:35
